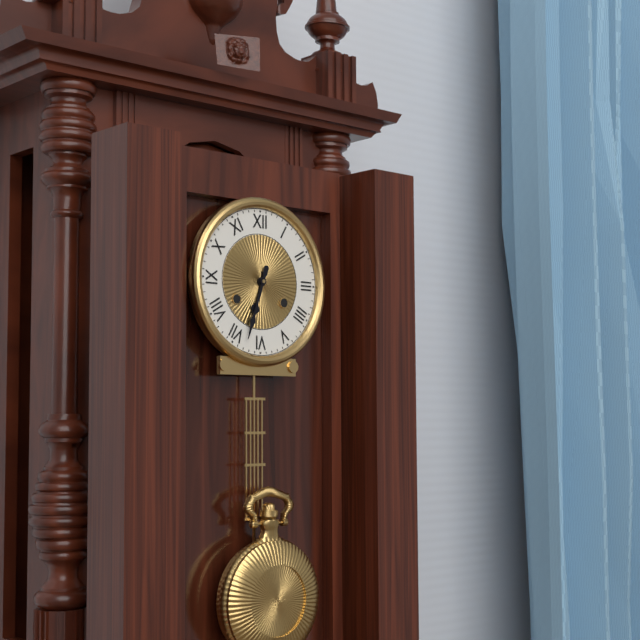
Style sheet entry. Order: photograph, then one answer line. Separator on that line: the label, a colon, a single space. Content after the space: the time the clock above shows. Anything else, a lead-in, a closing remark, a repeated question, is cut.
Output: 6:33
